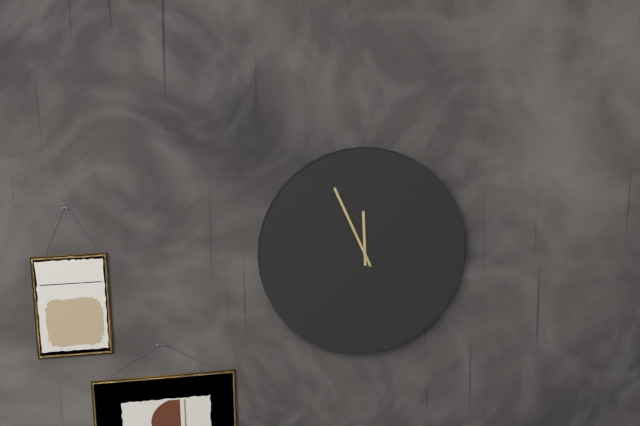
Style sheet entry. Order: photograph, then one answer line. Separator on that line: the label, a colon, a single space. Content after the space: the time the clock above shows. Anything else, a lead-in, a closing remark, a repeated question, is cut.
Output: 11:56
